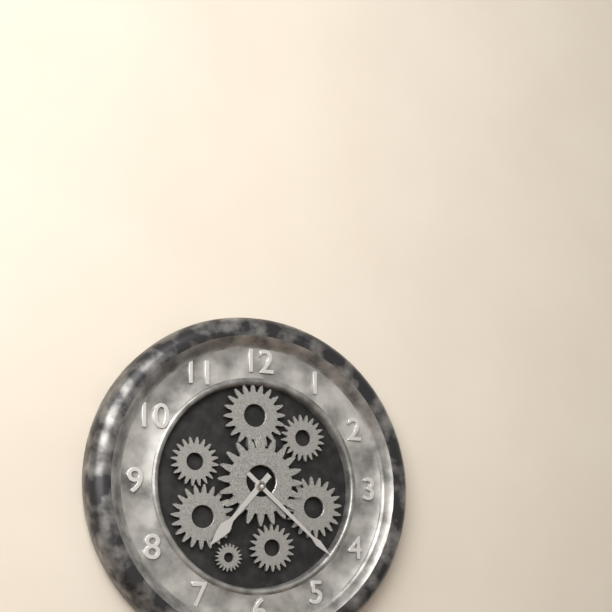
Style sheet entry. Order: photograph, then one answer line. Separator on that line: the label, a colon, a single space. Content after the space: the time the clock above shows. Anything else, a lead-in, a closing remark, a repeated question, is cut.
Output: 7:22
